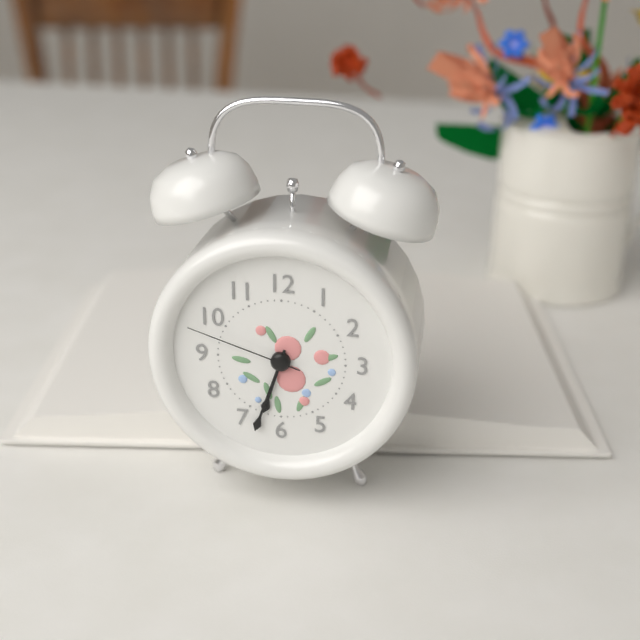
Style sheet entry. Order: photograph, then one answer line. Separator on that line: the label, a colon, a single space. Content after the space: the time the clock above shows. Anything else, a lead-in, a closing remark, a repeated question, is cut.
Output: 6:33:48
